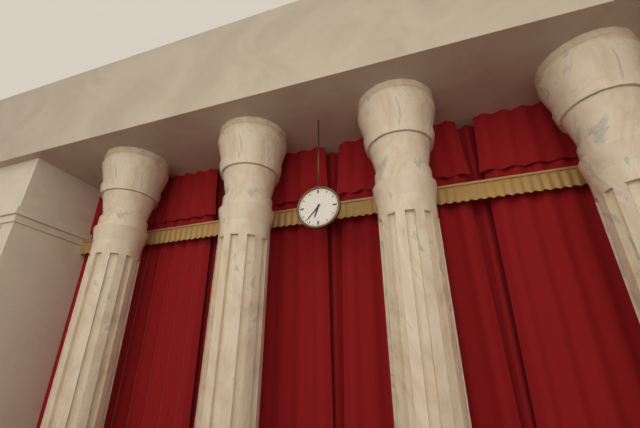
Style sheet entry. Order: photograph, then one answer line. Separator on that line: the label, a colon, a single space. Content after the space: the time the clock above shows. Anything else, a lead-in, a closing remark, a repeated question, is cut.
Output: 6:37
